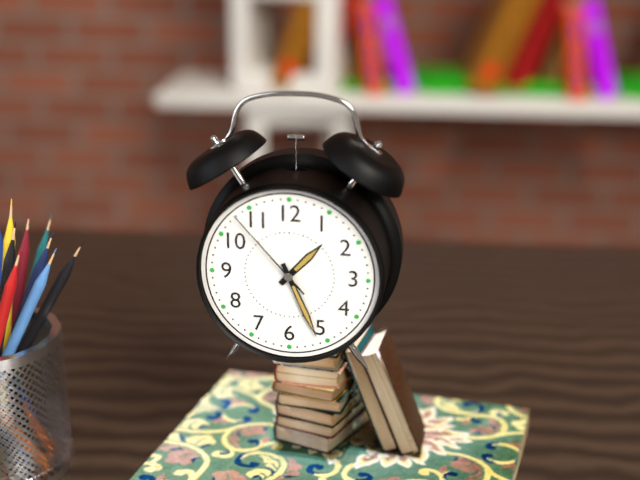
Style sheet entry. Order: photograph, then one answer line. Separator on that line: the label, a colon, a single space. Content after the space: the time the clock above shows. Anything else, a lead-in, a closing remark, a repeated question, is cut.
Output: 1:26:53
